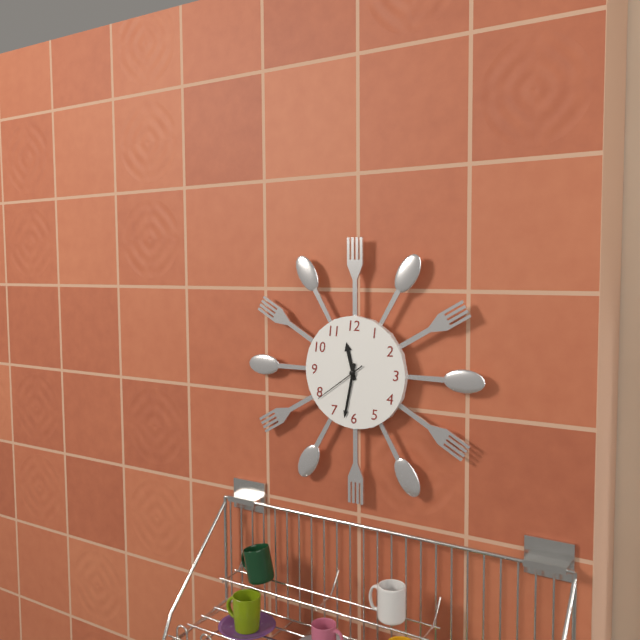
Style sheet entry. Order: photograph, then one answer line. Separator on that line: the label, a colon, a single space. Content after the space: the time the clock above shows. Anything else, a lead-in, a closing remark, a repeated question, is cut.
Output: 11:32:39
